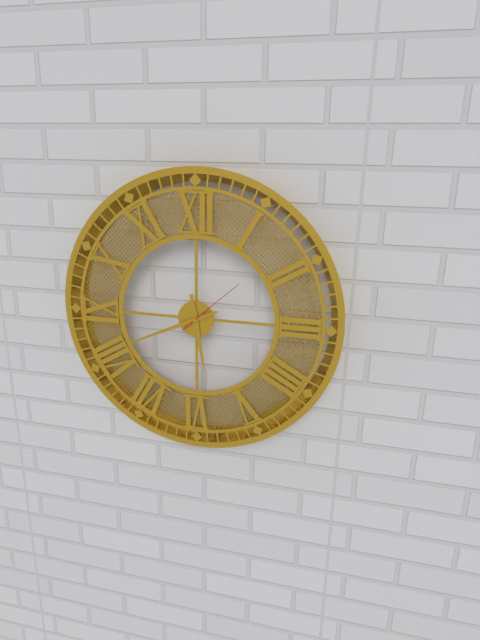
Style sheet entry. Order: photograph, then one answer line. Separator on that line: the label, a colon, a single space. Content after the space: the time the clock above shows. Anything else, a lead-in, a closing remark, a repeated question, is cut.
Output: 5:41:08
